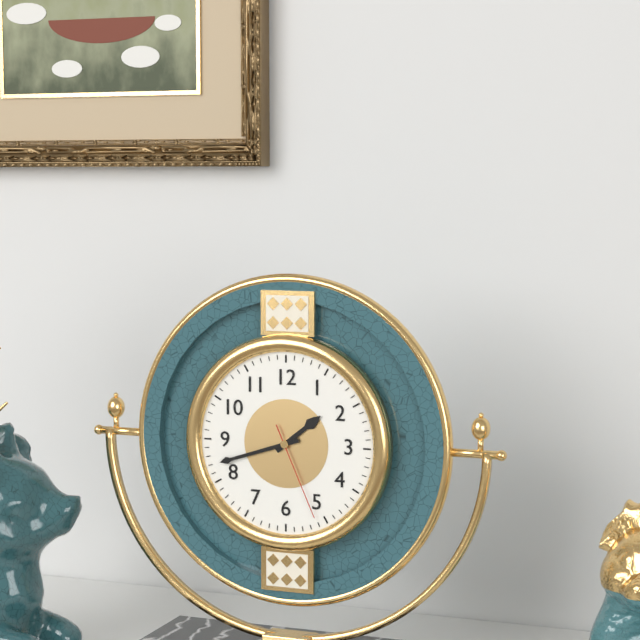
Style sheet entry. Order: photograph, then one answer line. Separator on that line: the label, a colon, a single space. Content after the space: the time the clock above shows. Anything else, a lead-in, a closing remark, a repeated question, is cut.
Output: 1:42:26
